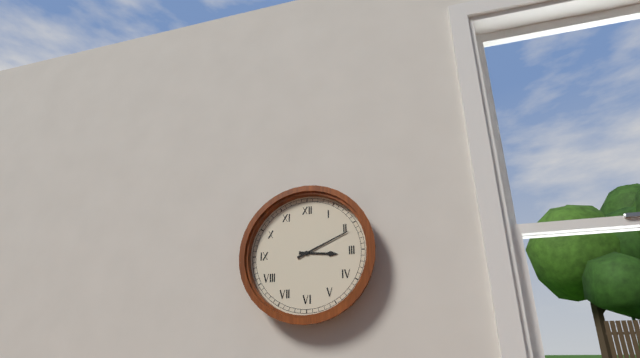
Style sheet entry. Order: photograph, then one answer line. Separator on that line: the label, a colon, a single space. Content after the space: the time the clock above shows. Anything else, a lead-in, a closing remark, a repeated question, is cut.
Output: 3:11
